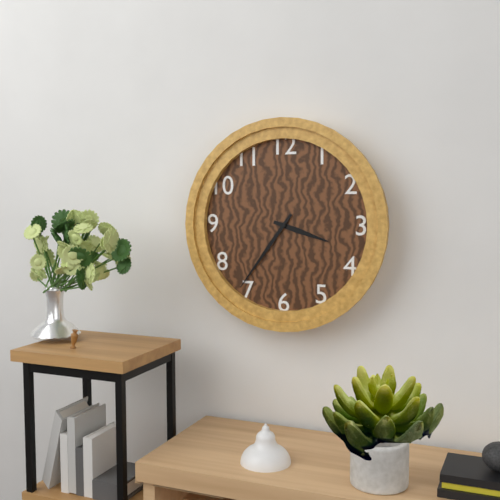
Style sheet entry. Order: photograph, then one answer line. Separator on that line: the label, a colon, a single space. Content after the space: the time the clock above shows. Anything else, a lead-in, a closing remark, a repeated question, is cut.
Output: 3:36
